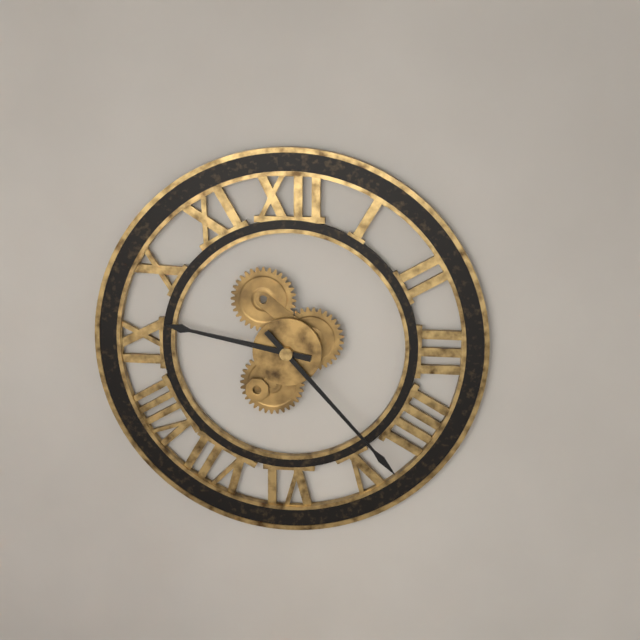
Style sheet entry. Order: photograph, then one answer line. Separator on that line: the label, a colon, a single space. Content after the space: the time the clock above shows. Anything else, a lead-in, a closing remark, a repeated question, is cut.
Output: 9:23
